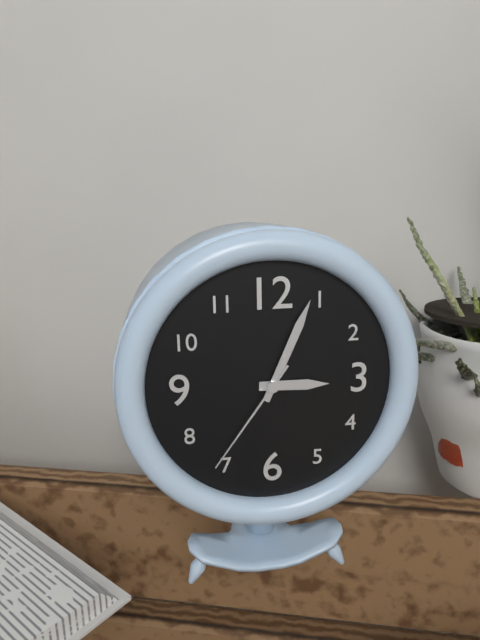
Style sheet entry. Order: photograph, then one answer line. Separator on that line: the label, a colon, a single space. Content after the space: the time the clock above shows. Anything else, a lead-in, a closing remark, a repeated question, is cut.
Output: 3:04:36
